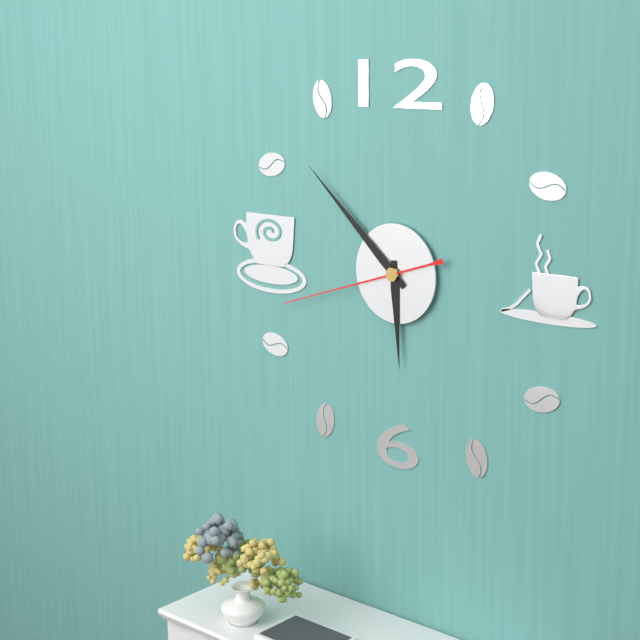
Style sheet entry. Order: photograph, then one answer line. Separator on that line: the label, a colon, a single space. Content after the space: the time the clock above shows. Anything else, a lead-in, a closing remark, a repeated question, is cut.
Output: 5:52:42
